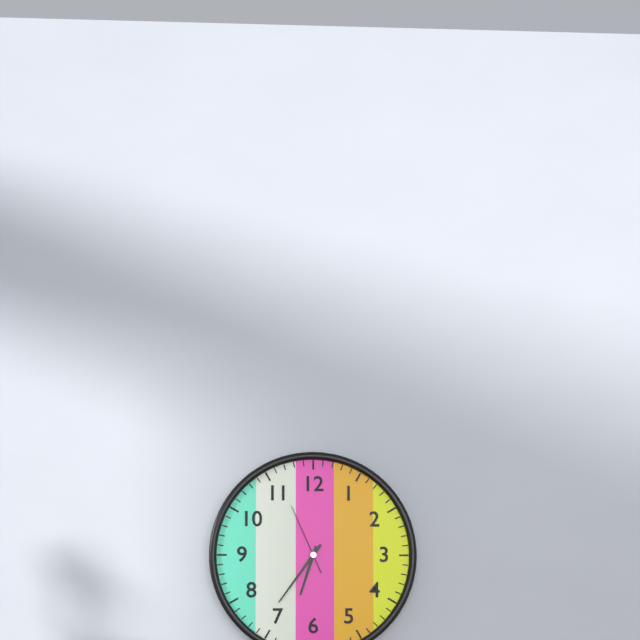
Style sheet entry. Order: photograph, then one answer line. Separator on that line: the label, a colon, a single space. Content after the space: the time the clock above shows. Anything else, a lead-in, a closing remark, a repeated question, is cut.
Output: 6:36:56
